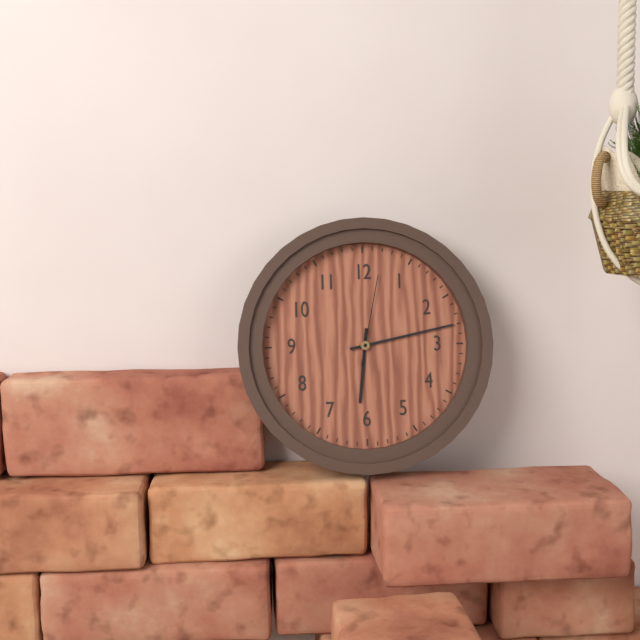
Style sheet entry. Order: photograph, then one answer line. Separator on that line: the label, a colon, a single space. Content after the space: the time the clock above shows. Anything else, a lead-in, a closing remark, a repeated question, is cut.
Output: 6:13:02
